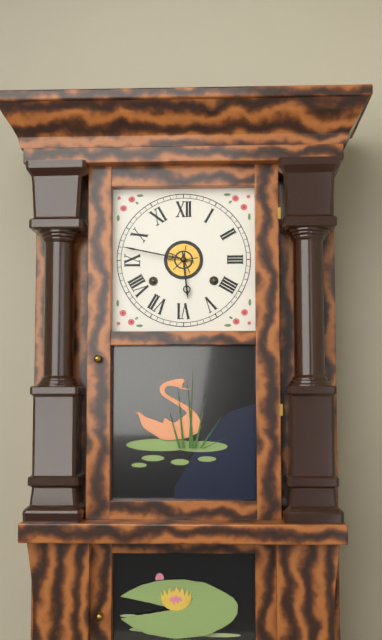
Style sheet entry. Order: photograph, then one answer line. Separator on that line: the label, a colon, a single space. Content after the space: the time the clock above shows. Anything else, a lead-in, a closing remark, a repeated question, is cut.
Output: 5:47
